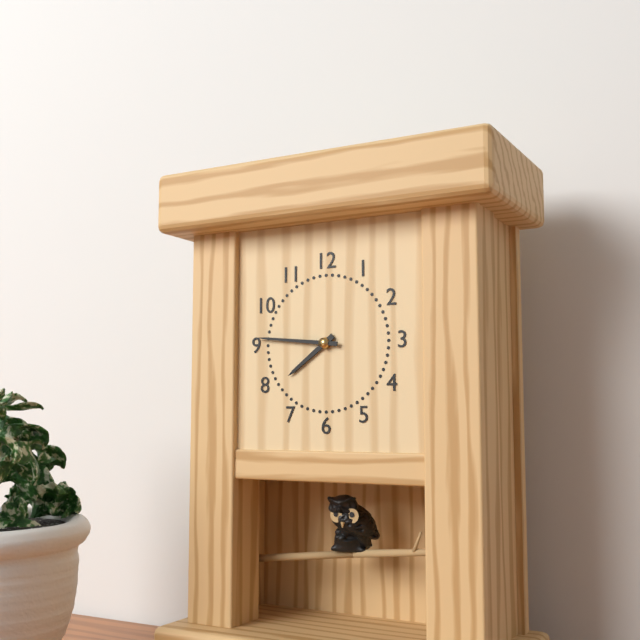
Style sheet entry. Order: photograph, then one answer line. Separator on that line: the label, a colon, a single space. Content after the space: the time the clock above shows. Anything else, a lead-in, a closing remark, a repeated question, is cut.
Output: 7:46
